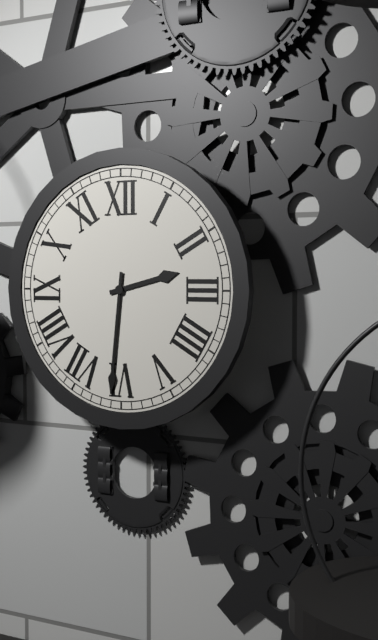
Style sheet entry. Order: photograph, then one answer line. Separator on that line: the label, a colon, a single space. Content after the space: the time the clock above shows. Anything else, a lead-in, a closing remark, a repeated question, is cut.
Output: 2:31
